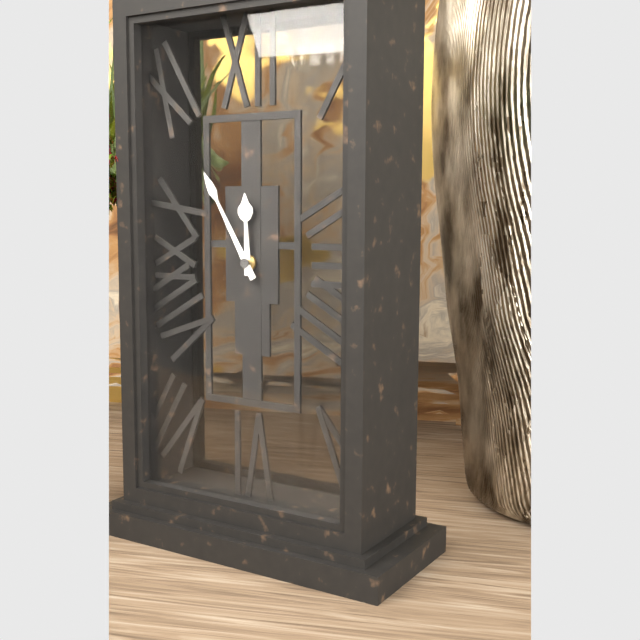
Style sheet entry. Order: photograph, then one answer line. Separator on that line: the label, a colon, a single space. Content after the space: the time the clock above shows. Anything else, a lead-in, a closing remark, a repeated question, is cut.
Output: 11:55
